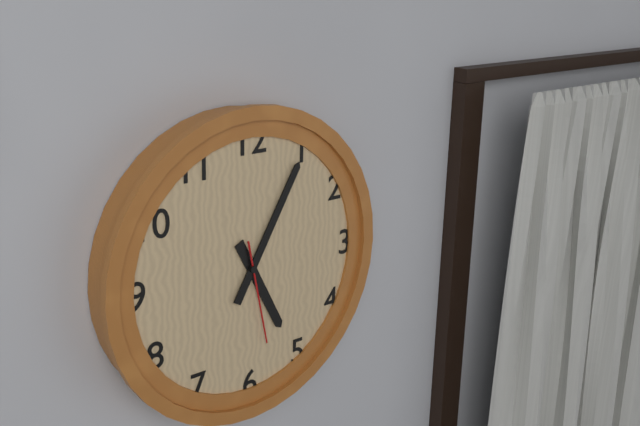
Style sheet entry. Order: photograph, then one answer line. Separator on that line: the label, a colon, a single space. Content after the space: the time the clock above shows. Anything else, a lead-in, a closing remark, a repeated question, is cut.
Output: 5:05:28
